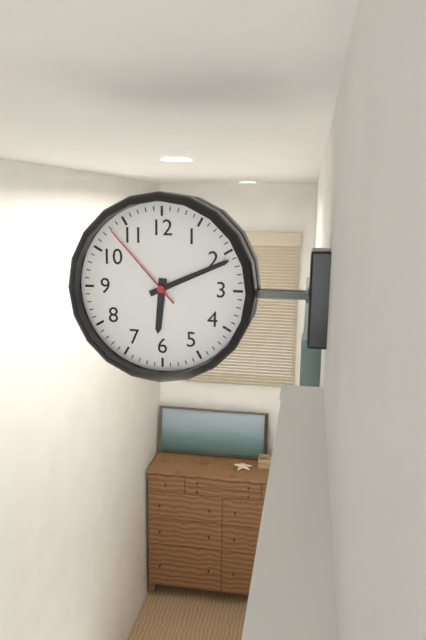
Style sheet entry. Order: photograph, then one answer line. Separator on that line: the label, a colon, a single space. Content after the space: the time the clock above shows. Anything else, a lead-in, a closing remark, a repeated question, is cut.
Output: 6:11:53
